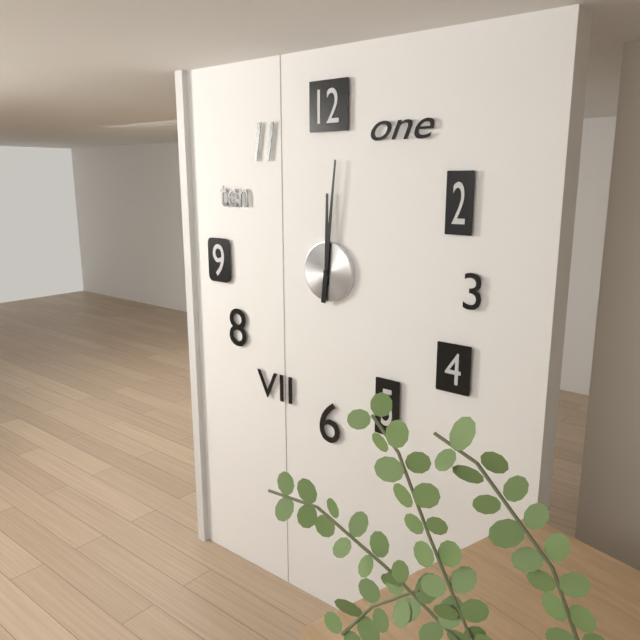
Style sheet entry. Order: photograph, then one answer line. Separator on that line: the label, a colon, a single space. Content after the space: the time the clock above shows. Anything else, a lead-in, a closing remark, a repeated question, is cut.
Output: 12:01
